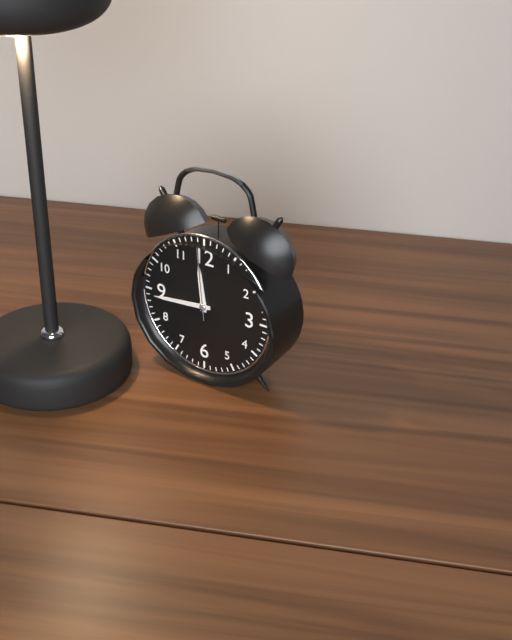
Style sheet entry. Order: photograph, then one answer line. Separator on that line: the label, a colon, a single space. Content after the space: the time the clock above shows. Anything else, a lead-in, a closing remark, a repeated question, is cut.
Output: 11:44:59
